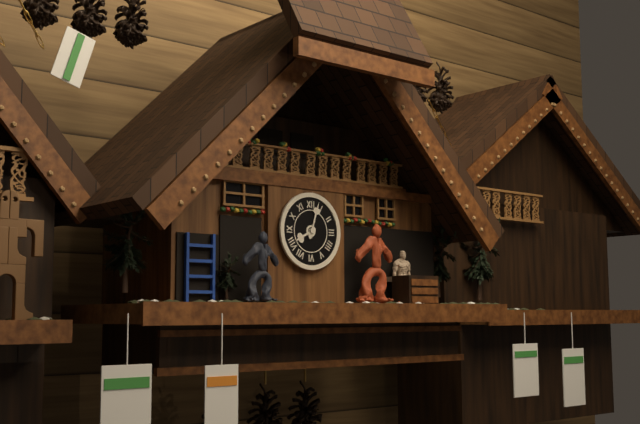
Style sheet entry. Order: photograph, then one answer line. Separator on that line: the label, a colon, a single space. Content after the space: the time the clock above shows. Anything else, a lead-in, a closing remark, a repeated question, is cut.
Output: 8:03
